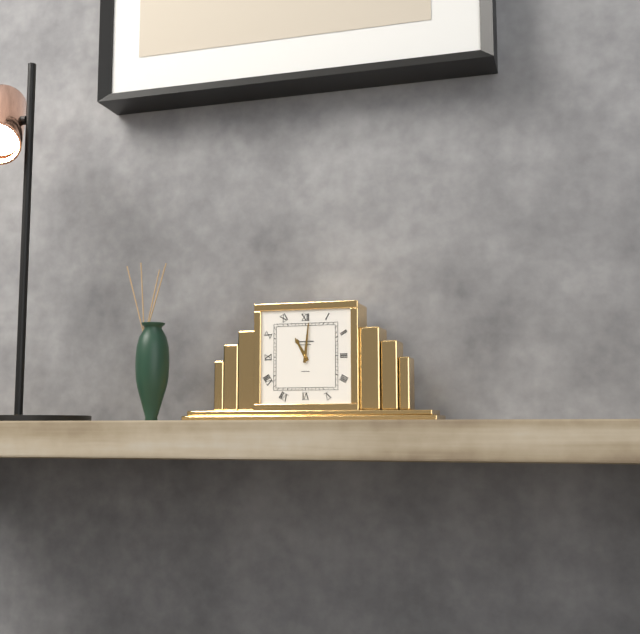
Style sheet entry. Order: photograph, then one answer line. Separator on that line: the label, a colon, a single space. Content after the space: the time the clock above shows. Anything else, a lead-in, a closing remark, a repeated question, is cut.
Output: 11:01
